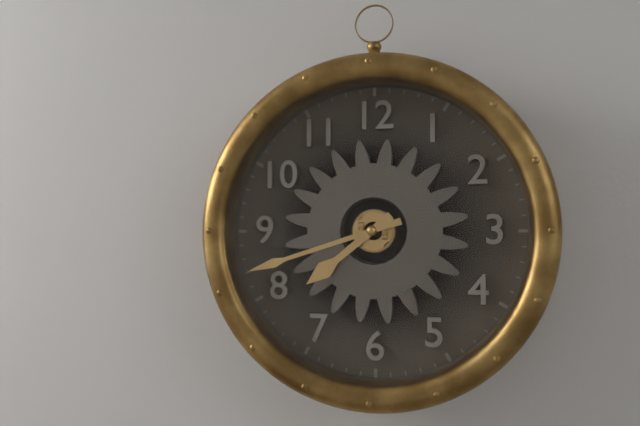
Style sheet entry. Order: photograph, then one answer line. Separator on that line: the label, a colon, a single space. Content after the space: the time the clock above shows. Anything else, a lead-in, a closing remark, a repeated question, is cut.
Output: 7:42
